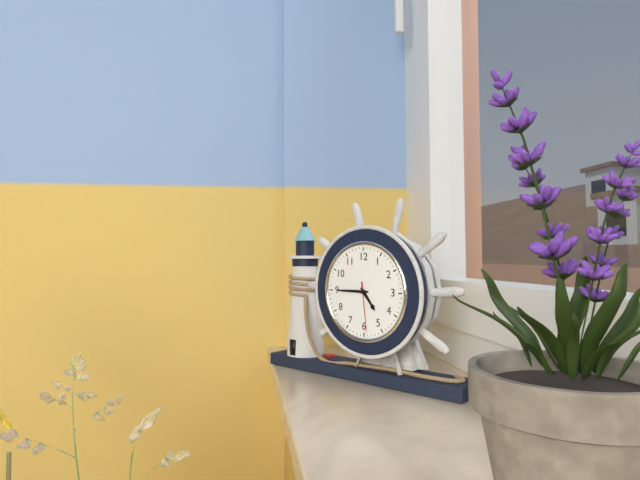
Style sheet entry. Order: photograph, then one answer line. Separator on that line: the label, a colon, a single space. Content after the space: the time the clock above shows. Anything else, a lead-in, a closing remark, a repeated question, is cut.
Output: 4:45:29
